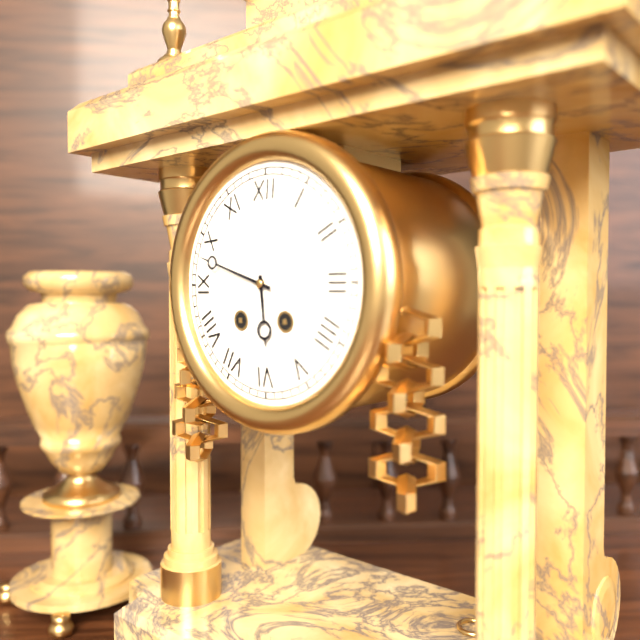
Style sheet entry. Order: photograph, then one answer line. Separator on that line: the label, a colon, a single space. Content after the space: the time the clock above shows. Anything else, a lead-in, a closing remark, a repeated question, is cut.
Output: 5:48
